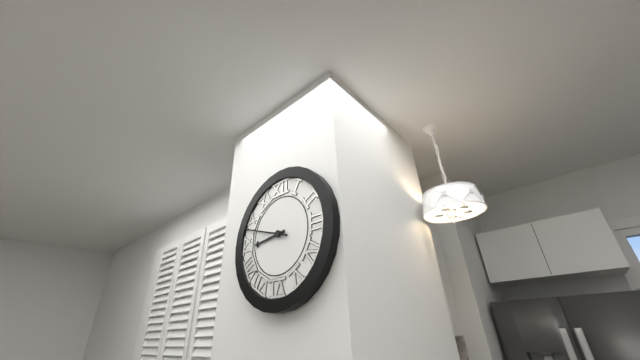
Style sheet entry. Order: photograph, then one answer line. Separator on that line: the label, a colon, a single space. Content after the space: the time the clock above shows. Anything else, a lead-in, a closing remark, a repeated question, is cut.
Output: 8:48
